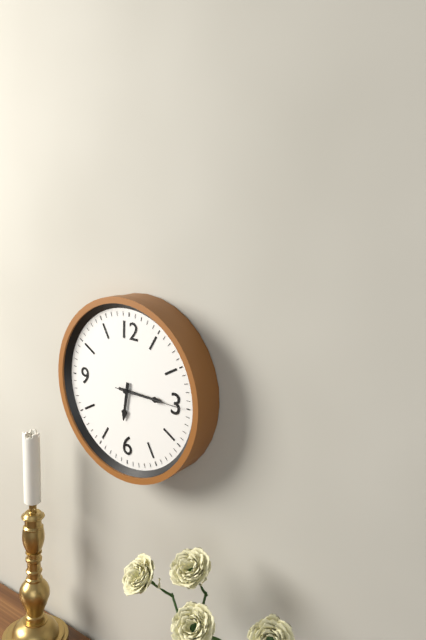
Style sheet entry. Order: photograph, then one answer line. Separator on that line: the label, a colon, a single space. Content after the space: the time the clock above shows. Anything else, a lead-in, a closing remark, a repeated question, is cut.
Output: 6:15:15
